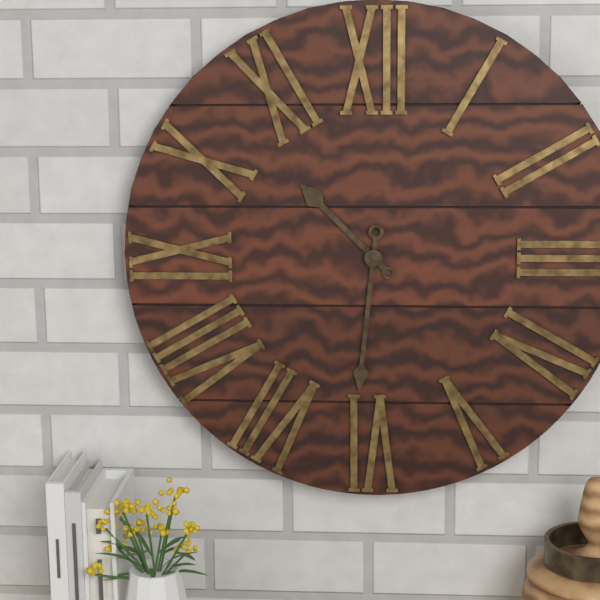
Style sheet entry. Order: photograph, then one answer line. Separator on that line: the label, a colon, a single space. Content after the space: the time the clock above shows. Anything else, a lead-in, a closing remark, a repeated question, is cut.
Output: 10:31
